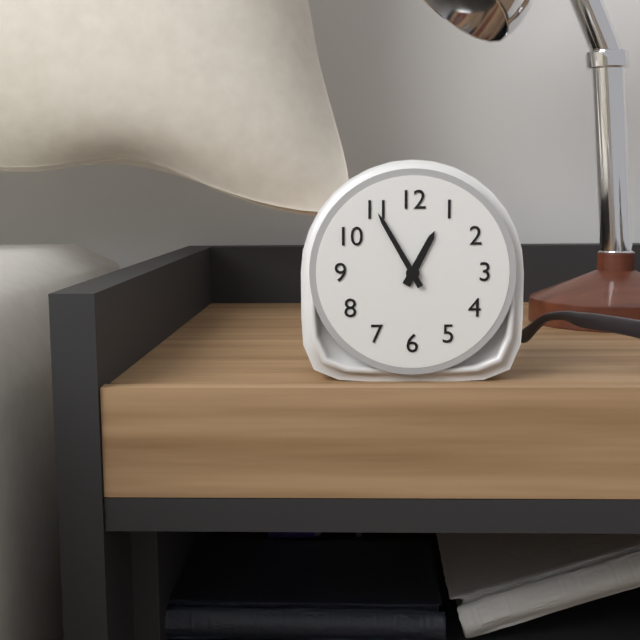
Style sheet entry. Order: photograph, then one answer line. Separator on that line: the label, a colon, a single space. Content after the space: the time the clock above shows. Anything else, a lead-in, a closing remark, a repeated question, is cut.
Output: 12:55
